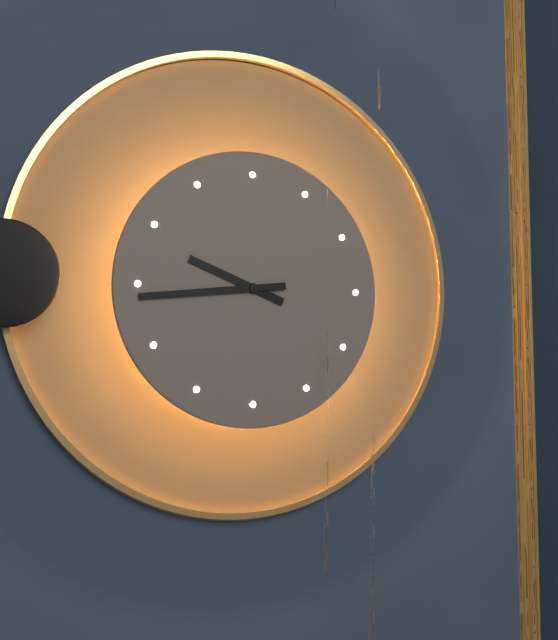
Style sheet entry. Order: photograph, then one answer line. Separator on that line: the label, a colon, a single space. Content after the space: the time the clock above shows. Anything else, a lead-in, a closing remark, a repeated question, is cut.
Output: 9:44
